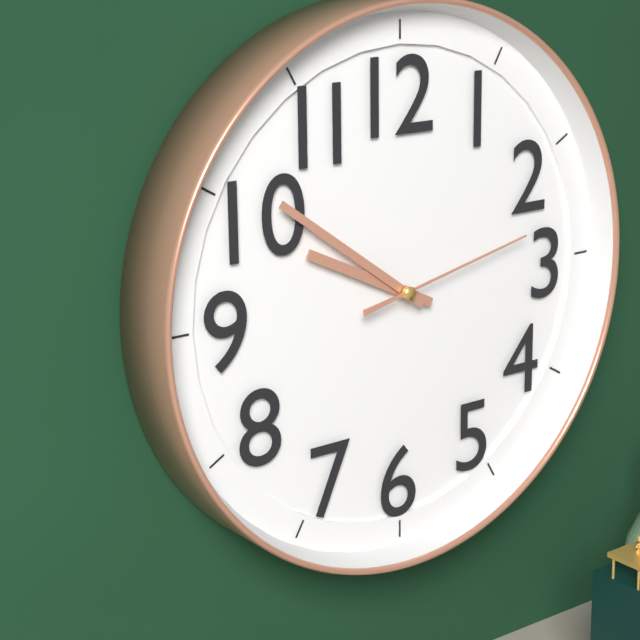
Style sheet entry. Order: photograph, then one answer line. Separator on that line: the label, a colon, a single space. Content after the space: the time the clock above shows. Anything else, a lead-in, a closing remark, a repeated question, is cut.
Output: 9:51:13
